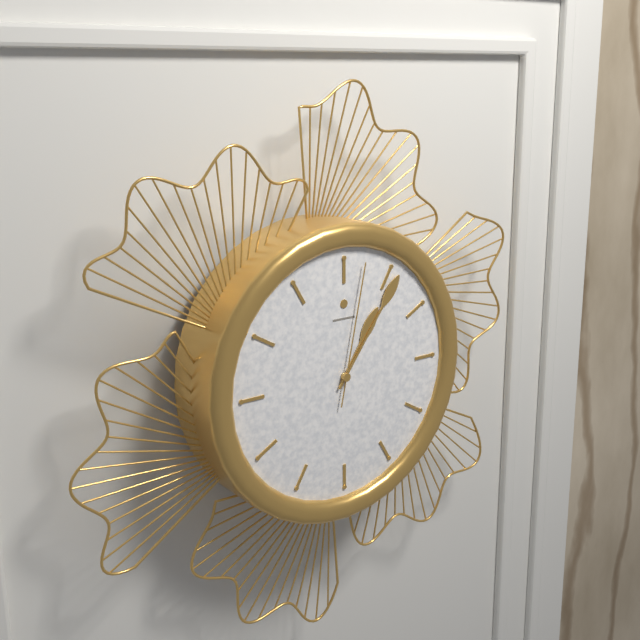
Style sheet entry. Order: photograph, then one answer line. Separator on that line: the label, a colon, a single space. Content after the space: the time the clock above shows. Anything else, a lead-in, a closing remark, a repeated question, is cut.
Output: 1:06:02
